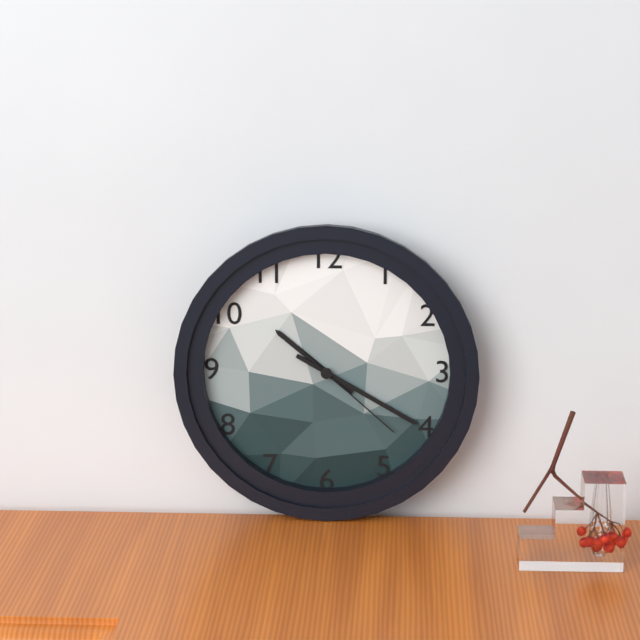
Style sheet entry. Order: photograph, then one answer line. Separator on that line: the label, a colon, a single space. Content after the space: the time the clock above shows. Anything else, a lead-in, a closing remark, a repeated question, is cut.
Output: 10:20:22
